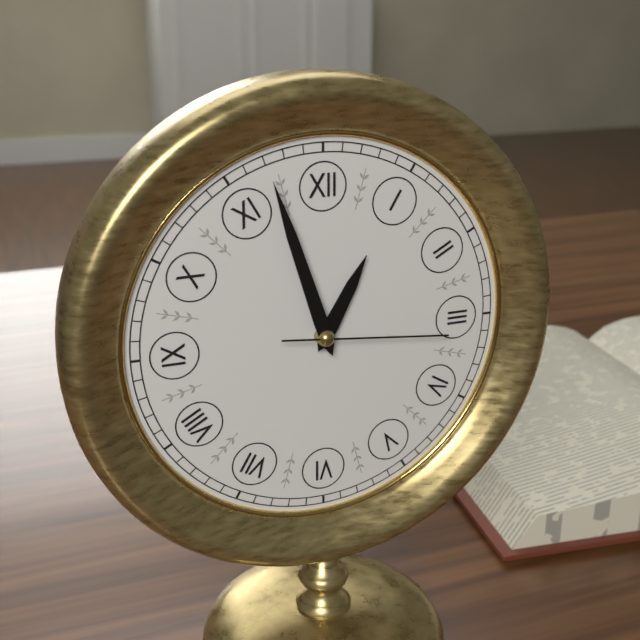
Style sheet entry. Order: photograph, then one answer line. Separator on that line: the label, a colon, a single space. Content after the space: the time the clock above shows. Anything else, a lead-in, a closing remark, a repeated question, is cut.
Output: 12:57:16
